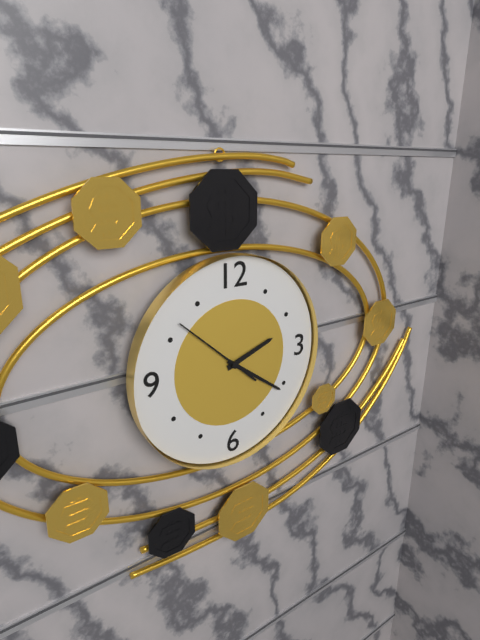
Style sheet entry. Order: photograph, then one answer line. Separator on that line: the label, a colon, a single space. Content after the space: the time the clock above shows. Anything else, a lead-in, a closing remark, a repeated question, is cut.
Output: 2:21:52
